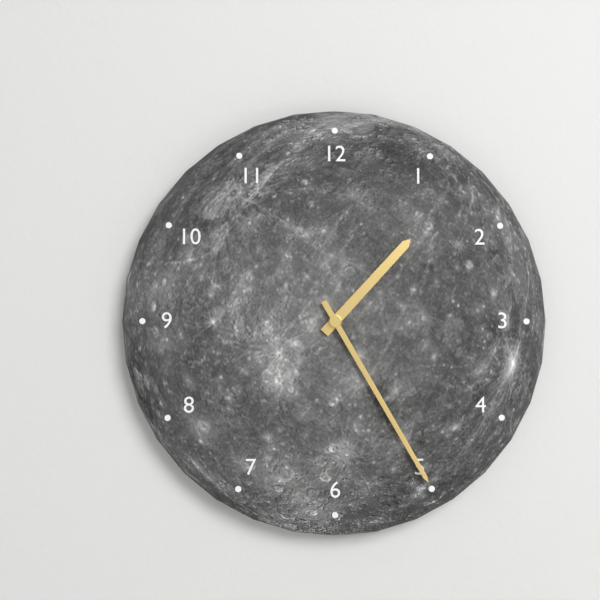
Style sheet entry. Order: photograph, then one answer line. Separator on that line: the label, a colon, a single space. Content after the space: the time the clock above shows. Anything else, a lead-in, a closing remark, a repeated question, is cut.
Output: 1:25
